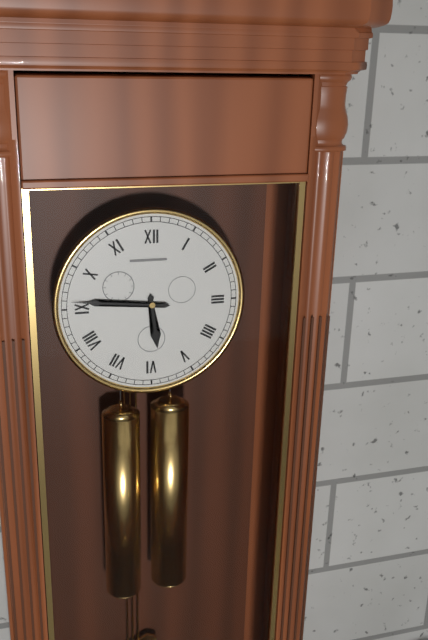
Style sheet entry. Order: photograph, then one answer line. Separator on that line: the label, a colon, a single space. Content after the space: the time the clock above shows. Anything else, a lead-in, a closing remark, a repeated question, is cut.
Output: 5:46
